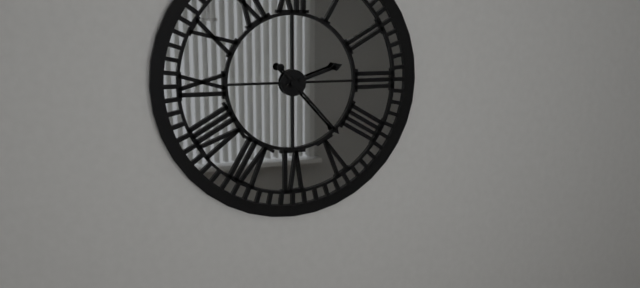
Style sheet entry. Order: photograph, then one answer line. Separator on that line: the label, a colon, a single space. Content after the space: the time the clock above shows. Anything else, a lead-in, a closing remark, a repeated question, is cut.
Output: 2:23
